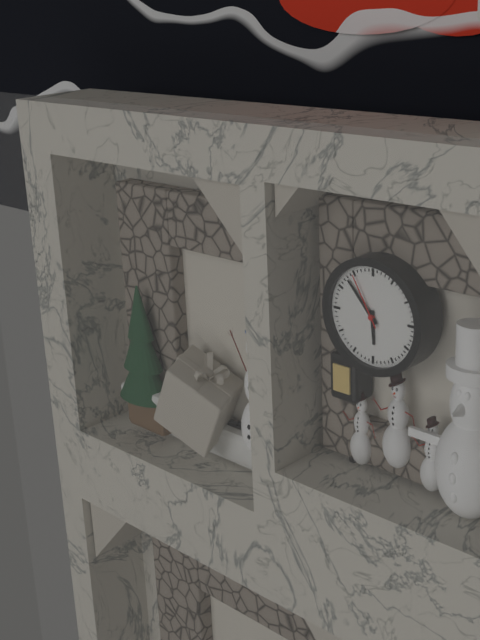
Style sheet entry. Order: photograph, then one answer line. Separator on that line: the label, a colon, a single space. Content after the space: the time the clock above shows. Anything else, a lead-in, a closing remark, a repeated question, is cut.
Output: 5:53:55
